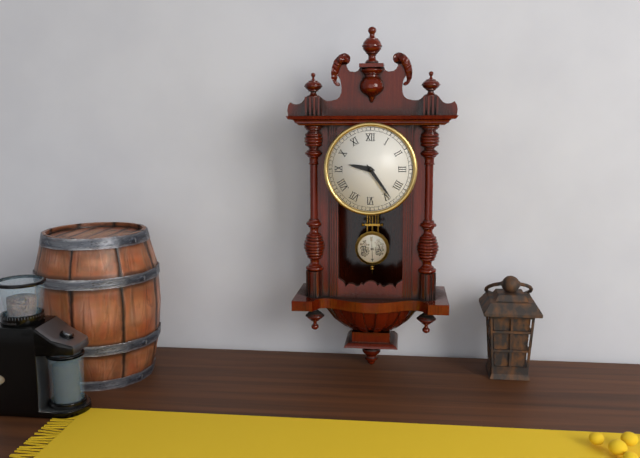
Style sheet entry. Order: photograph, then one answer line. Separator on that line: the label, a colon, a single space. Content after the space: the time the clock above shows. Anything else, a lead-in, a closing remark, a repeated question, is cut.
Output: 9:24
